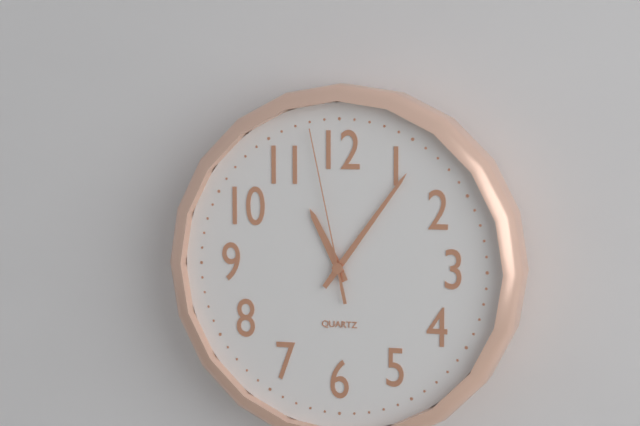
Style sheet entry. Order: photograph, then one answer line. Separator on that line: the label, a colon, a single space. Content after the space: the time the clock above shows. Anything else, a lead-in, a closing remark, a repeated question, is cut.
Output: 11:06:58
